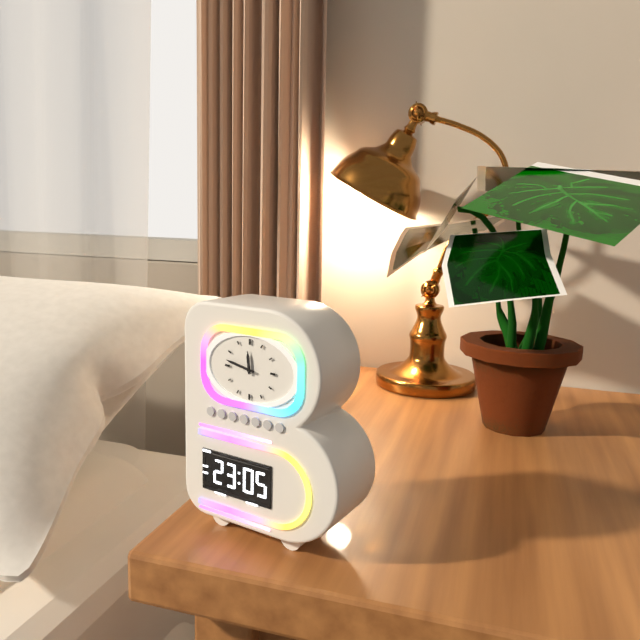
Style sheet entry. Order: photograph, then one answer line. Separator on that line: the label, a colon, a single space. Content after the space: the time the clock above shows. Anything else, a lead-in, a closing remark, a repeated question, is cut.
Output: 11:47
